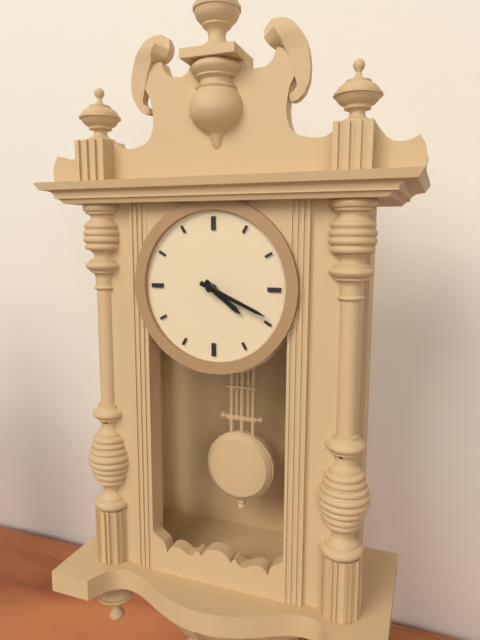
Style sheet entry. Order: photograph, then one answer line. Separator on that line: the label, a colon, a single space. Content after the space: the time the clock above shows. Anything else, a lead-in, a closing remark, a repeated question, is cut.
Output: 4:19
